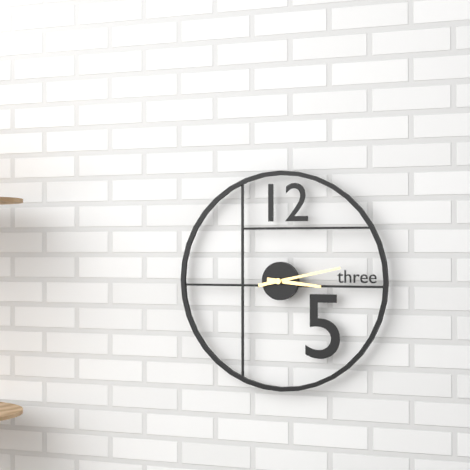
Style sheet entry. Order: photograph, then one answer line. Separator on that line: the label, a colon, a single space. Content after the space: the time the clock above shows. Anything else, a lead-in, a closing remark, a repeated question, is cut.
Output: 3:13
